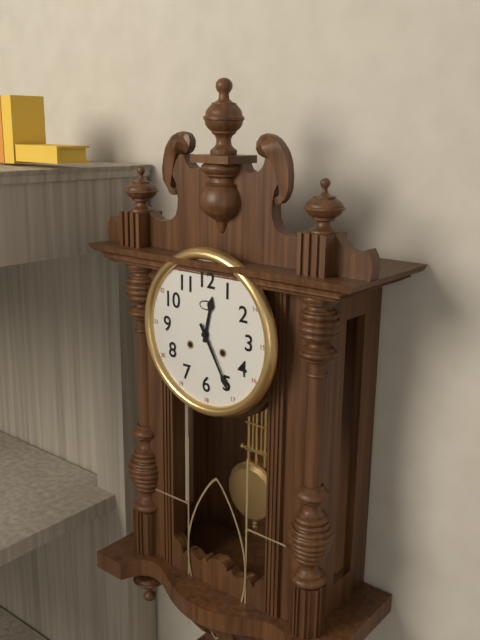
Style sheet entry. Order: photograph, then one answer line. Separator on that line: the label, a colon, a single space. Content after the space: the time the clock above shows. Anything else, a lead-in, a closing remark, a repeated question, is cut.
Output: 12:25
